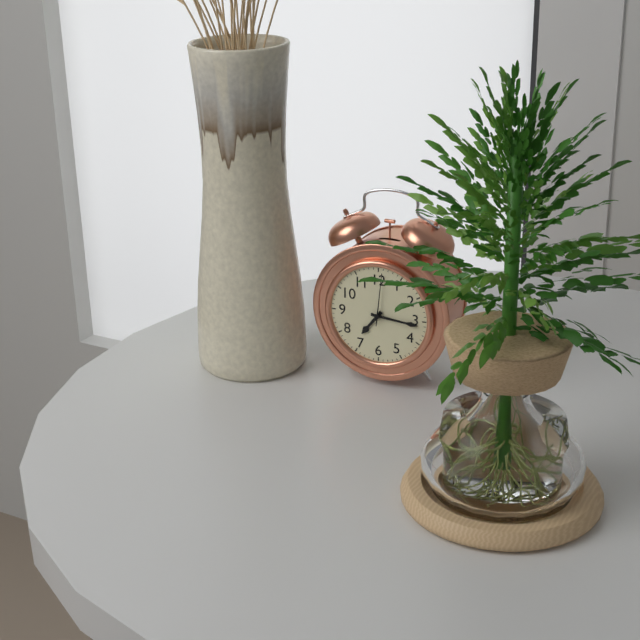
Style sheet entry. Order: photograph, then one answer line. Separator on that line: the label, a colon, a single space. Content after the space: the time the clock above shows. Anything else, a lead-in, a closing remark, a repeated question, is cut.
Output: 7:16:01
